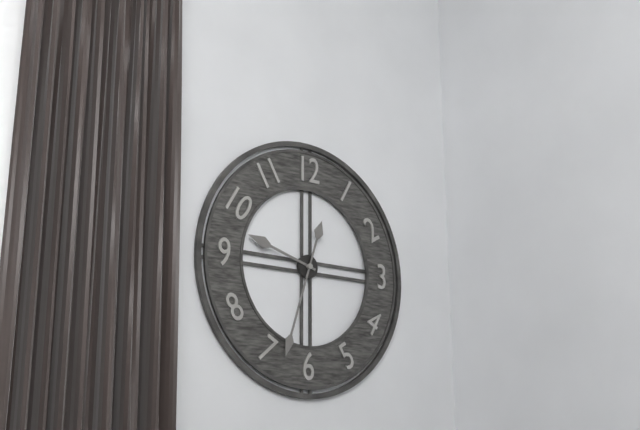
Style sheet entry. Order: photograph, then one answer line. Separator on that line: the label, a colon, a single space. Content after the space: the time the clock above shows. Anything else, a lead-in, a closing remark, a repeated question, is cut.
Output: 9:33
